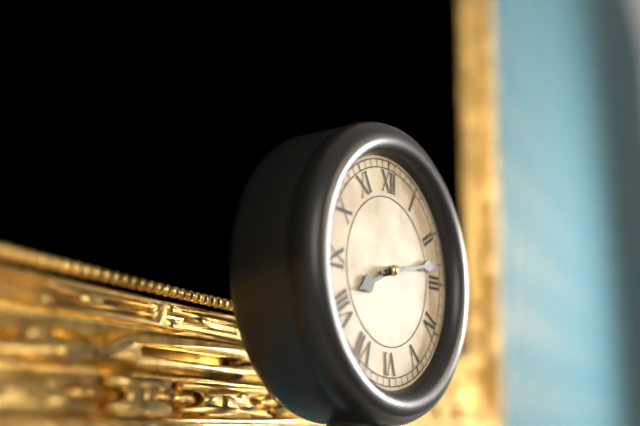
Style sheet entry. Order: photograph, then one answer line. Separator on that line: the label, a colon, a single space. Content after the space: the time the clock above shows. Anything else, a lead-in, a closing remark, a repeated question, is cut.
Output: 8:13
